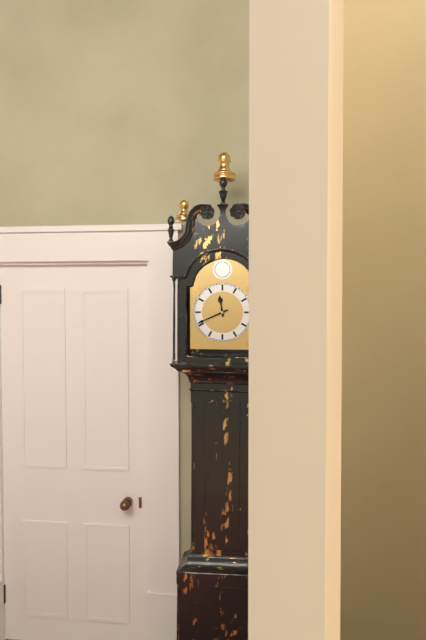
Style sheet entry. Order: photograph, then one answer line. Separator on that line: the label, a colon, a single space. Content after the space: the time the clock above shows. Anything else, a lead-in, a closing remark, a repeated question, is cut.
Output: 11:41
